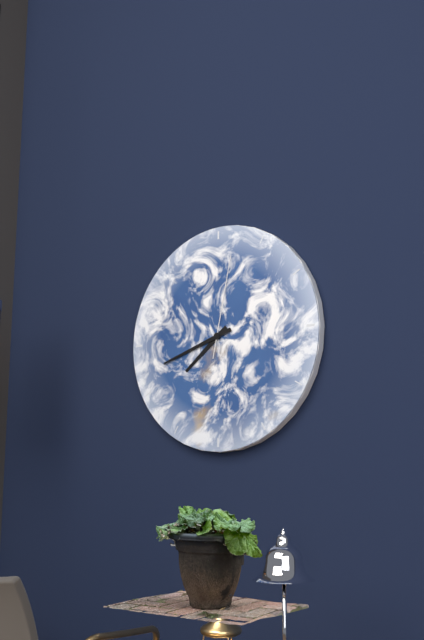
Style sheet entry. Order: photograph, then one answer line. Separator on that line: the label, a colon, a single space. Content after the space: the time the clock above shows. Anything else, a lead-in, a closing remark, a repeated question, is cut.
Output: 7:42:02
